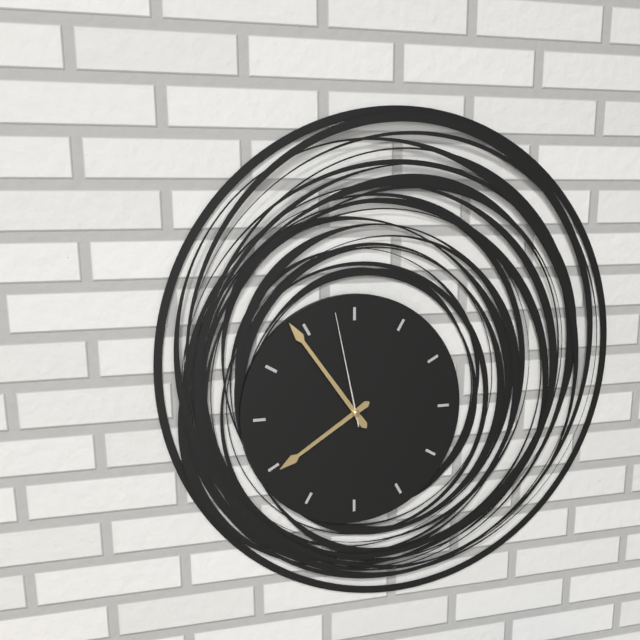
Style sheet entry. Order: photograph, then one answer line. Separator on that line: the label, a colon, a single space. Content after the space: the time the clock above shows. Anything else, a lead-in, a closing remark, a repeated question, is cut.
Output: 7:54:58
